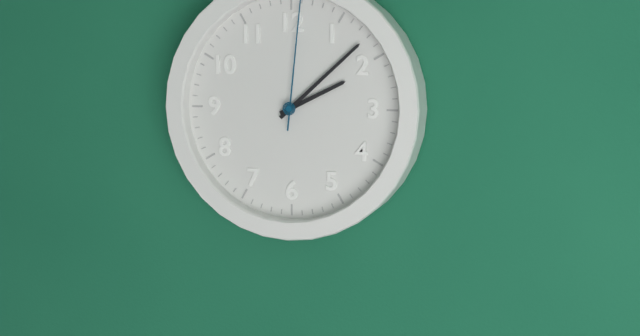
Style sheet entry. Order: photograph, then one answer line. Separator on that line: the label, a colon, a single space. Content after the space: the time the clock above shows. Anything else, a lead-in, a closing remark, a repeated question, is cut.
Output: 2:08
